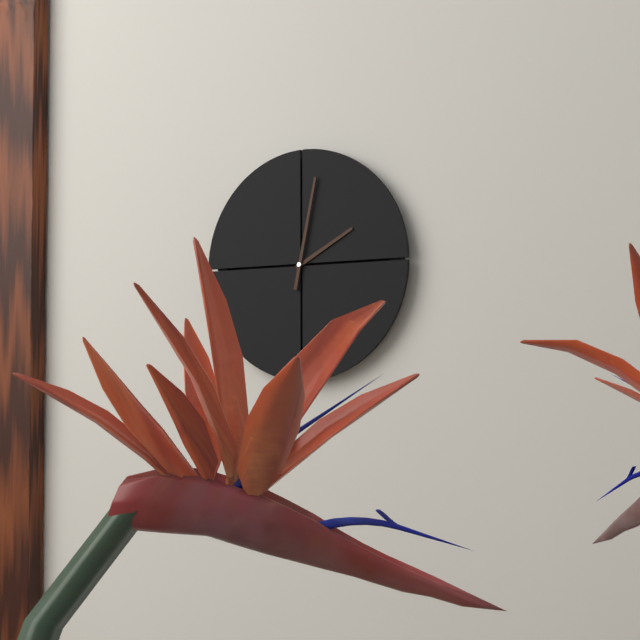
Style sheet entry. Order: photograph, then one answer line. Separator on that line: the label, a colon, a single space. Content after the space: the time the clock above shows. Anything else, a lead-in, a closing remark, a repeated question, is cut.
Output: 2:02
